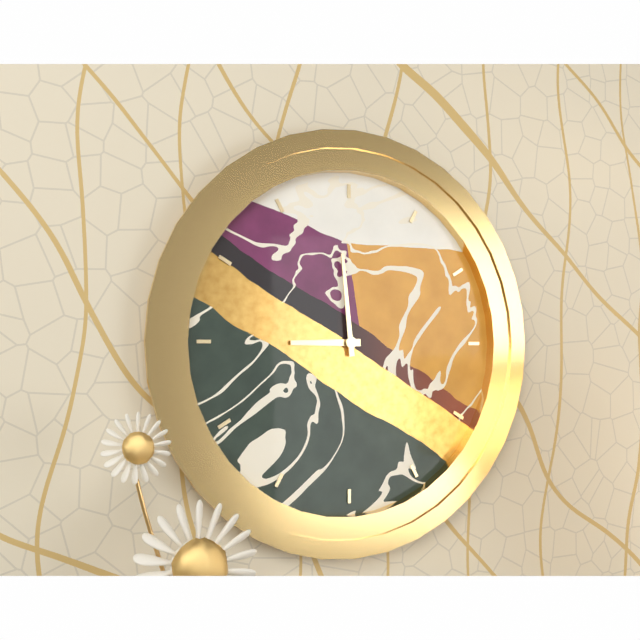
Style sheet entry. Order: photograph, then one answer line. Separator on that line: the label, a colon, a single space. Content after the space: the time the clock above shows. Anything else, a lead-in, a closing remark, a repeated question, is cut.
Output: 8:59
